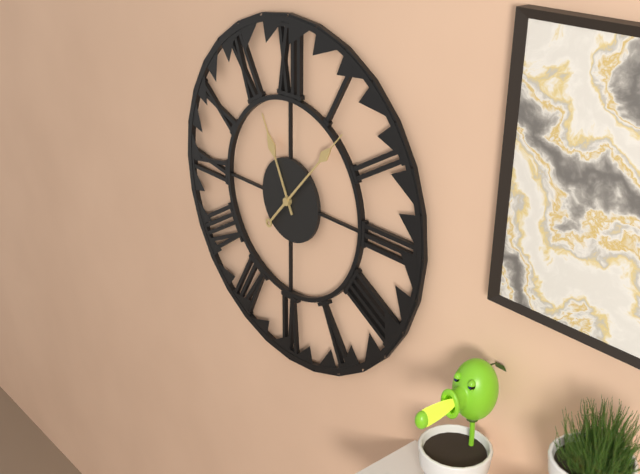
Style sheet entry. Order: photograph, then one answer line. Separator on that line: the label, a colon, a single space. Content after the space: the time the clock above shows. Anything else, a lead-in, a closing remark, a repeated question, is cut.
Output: 11:07
